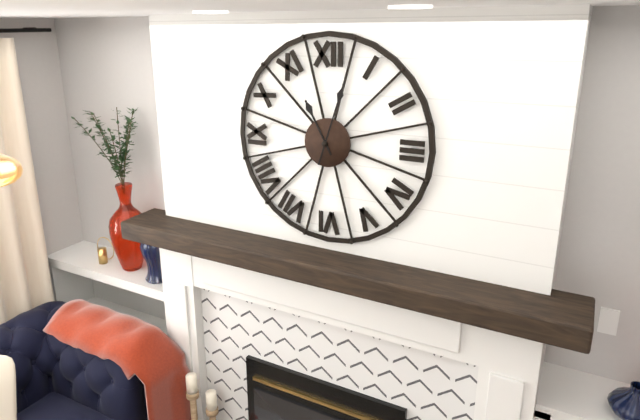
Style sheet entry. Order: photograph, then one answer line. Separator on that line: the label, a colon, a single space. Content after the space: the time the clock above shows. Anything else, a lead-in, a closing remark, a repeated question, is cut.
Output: 11:03
